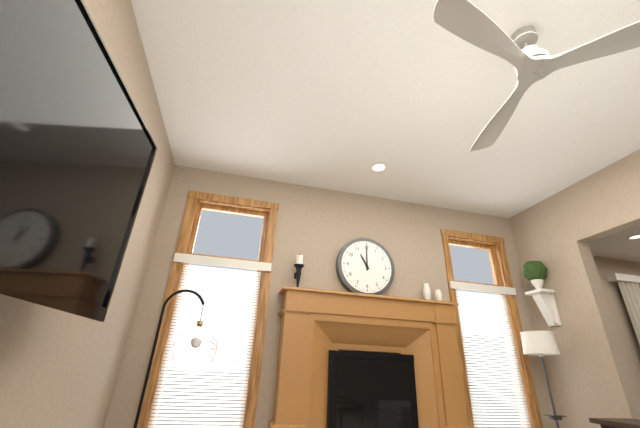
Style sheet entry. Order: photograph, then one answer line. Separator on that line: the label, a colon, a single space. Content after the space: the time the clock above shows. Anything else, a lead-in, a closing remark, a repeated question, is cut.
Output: 11:00
